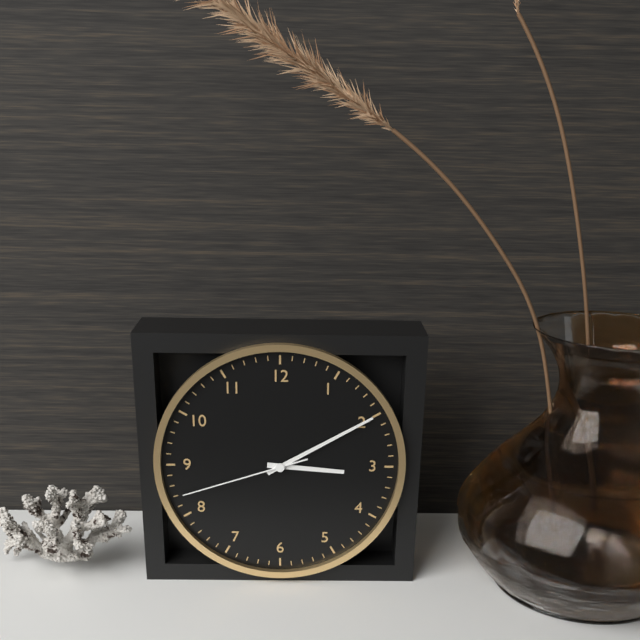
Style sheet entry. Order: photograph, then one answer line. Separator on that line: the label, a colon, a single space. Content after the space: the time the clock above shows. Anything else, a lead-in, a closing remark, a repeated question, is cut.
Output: 3:10:42
